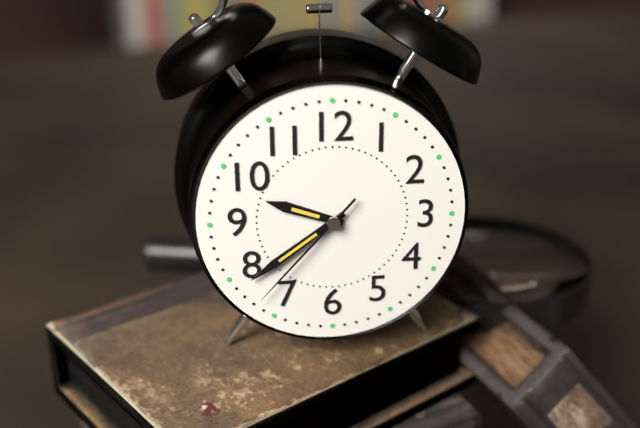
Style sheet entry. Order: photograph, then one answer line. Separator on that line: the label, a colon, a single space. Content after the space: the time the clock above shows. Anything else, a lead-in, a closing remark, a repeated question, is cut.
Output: 9:39:37
